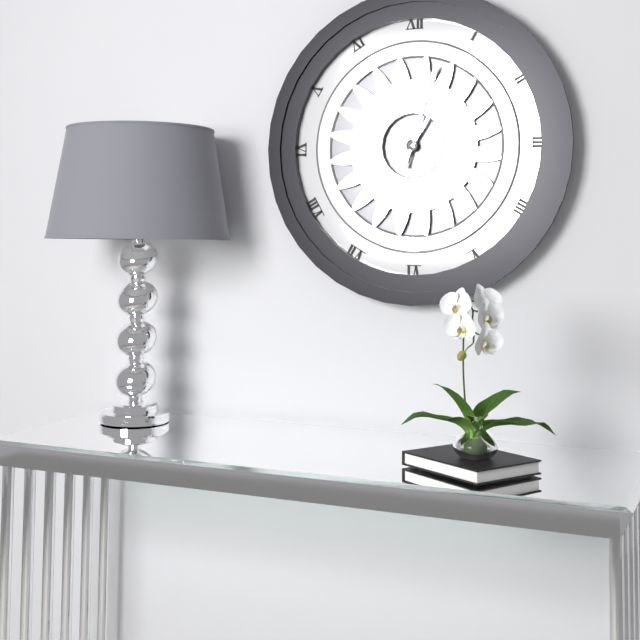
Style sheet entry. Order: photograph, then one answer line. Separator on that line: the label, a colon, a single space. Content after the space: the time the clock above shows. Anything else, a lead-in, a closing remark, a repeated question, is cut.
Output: 1:03
